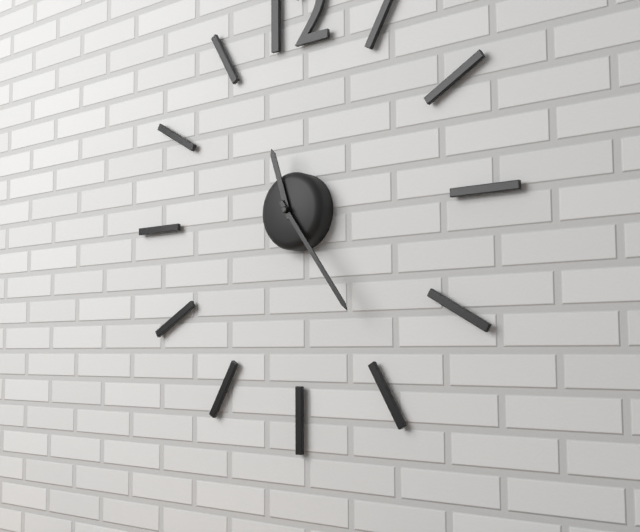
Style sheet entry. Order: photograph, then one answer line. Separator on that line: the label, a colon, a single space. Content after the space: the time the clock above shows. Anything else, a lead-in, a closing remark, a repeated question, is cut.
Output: 11:24
